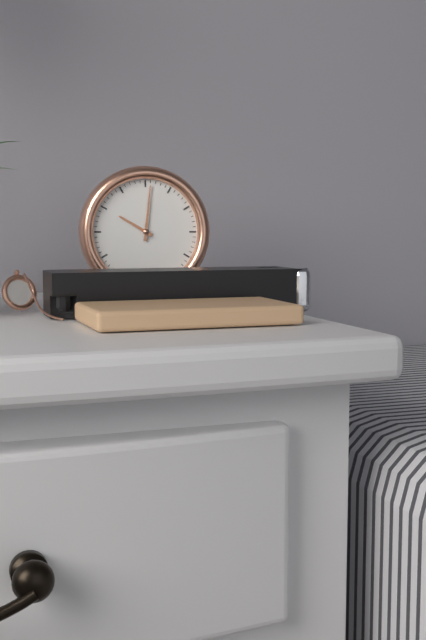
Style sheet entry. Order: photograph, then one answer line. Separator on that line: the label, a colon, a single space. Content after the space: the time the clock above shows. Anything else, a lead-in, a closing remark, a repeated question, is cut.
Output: 10:01
